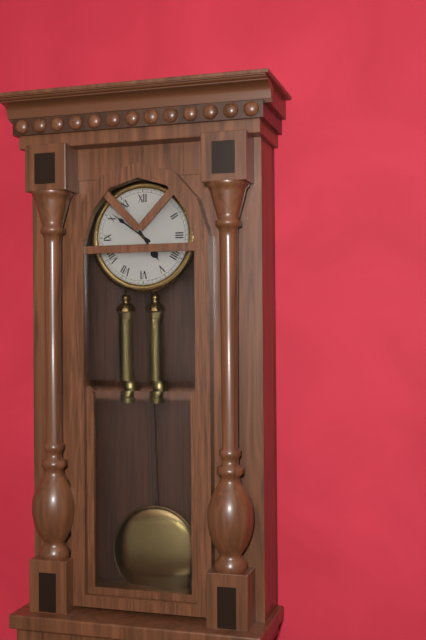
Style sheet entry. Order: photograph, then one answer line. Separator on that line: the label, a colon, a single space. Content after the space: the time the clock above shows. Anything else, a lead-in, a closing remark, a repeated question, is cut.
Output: 4:51
